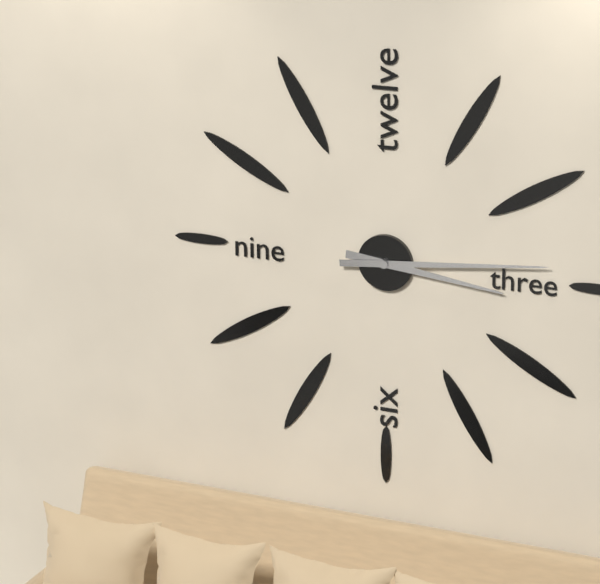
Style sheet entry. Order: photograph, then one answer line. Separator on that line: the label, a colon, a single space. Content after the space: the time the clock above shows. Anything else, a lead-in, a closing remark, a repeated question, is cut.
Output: 3:14
